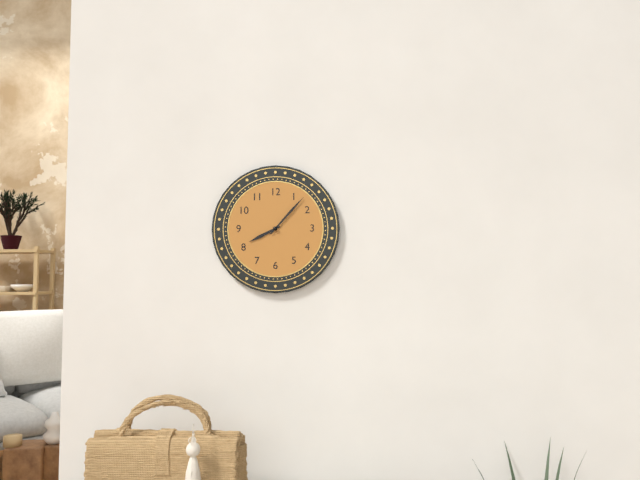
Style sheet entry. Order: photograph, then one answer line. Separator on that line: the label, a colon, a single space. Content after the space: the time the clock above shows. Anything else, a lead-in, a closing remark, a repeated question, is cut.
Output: 8:07
